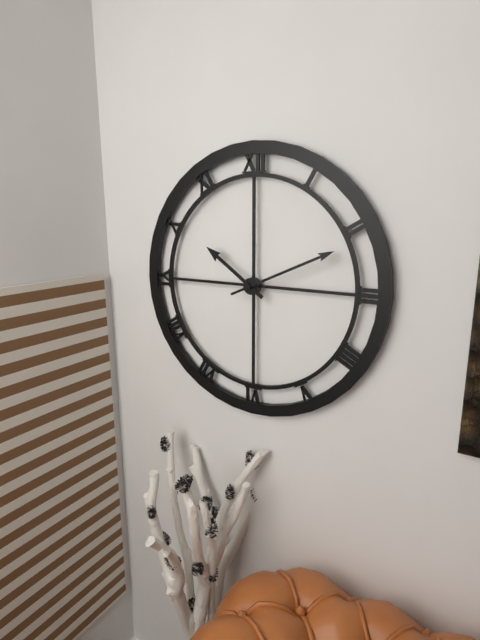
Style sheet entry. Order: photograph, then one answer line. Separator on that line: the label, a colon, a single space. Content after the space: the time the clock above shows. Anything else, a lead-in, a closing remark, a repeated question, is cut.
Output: 10:11
